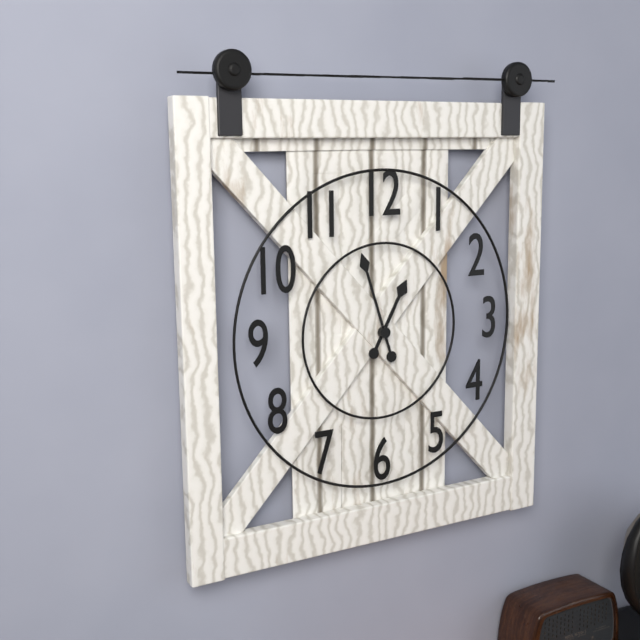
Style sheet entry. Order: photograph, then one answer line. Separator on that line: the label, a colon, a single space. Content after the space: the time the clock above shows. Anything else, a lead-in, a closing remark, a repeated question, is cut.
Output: 12:57
